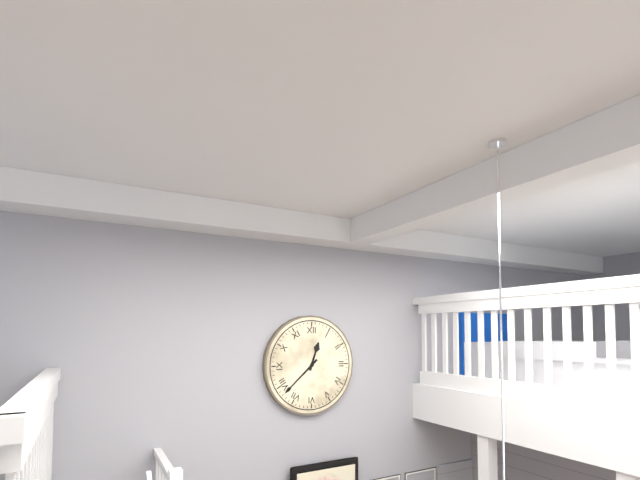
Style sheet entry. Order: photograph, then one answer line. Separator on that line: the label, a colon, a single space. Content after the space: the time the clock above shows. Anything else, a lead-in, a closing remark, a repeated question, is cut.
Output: 12:38
